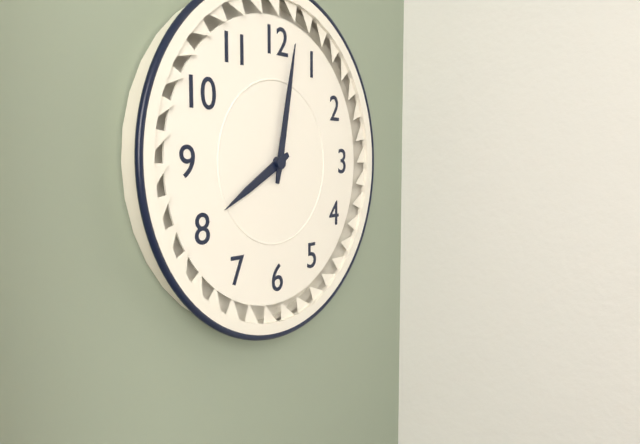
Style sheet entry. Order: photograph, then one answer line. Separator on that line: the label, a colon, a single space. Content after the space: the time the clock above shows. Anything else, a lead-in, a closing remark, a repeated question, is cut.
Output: 8:02
